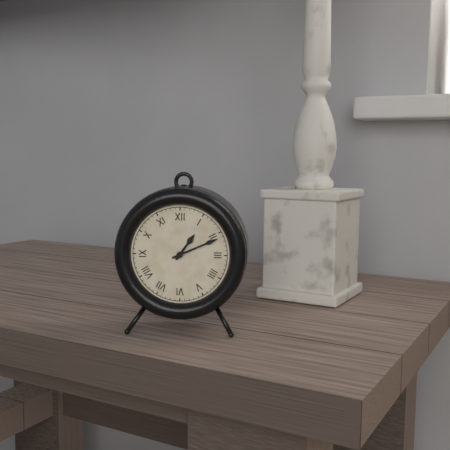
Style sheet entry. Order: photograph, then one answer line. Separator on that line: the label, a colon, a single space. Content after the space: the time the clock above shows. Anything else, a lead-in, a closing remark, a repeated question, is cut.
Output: 1:11
